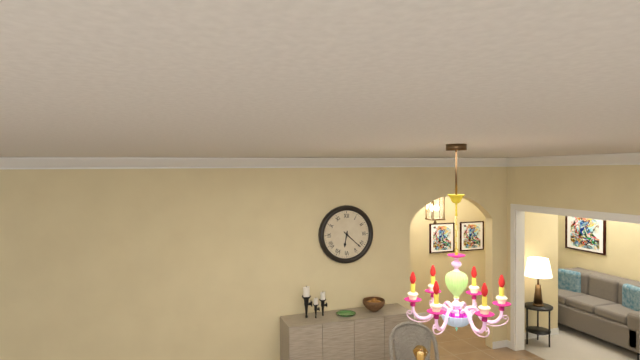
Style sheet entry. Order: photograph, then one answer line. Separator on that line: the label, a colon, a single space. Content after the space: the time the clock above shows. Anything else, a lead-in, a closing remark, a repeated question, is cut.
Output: 6:22
